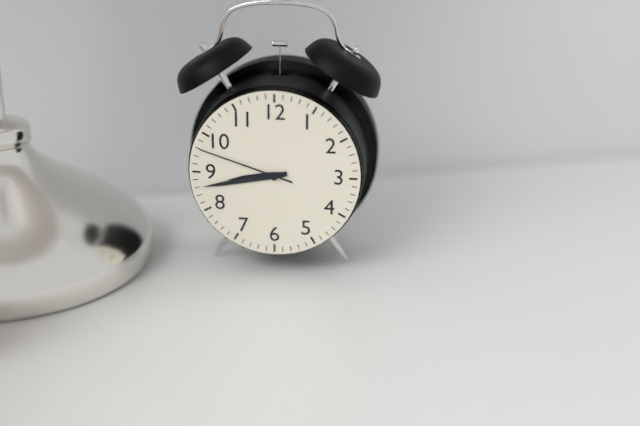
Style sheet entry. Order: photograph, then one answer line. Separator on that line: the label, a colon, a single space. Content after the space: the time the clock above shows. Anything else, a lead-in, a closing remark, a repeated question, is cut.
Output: 8:43:48
